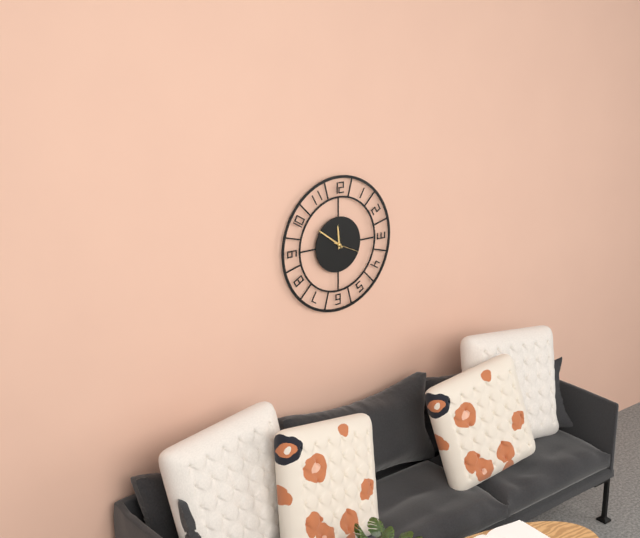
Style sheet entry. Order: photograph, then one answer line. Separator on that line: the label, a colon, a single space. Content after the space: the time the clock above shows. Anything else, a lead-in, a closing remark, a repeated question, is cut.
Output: 11:51
